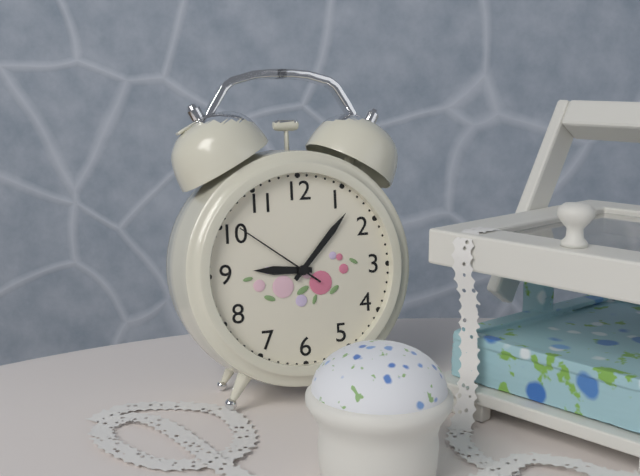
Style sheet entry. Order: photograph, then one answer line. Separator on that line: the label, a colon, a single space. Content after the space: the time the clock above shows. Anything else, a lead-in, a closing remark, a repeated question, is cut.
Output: 9:07:51
